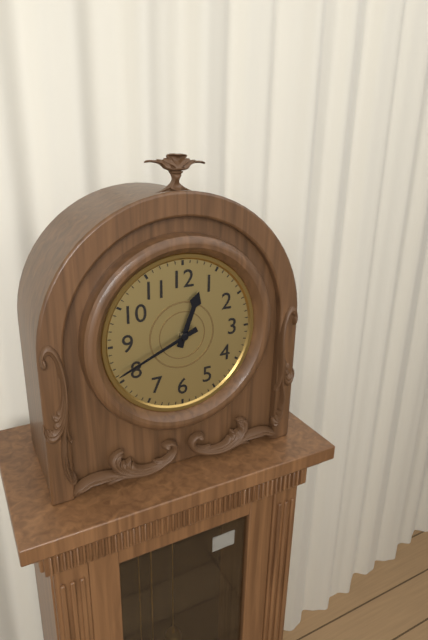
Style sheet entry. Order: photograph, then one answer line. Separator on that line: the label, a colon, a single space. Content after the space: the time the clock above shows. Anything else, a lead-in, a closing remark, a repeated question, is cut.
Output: 12:41
